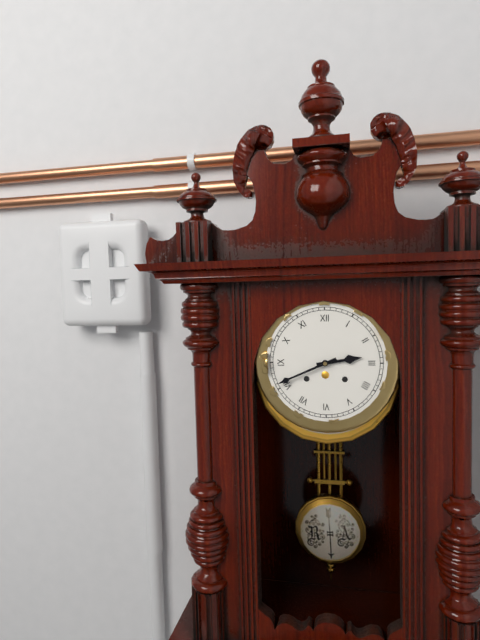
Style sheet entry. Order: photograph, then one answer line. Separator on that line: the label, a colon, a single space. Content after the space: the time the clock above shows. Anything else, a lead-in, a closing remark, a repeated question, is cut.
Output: 2:41
